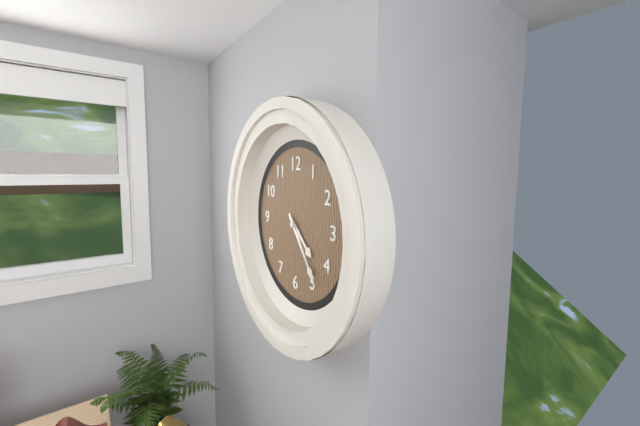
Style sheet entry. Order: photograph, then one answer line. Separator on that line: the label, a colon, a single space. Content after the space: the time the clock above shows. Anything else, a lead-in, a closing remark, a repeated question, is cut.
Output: 4:24
